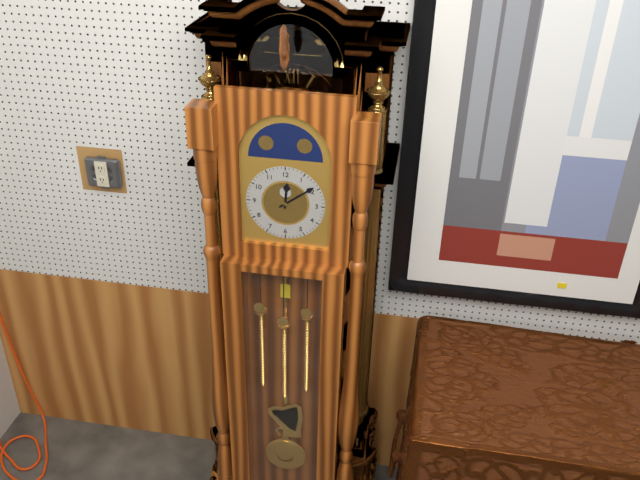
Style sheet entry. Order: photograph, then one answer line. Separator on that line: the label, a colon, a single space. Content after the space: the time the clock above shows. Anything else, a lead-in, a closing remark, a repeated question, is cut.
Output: 12:09
